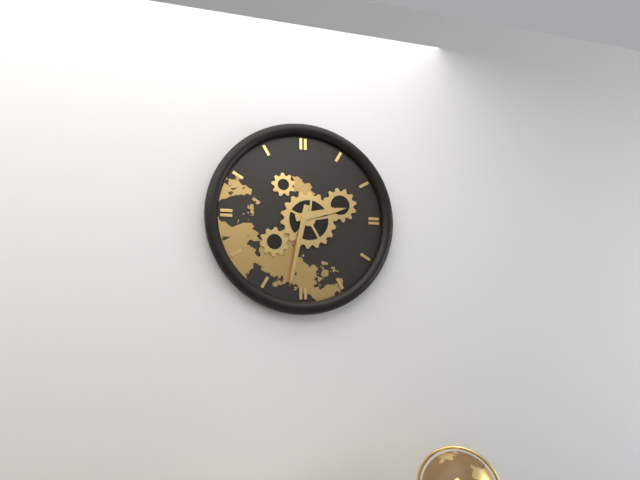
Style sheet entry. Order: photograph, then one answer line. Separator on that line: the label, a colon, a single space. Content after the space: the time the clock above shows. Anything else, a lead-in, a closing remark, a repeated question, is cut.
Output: 2:32
